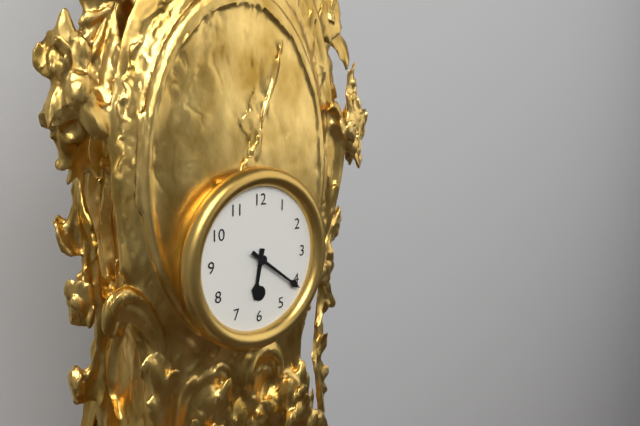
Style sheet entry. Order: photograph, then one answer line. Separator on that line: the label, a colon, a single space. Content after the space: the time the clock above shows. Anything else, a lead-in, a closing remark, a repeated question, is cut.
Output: 6:21
